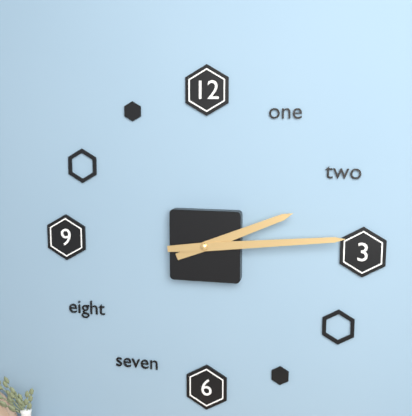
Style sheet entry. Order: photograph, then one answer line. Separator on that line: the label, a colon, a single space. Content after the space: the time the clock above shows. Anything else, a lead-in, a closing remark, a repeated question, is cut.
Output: 2:14
